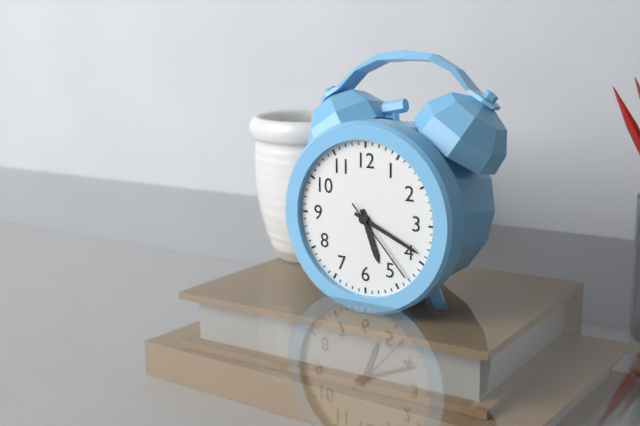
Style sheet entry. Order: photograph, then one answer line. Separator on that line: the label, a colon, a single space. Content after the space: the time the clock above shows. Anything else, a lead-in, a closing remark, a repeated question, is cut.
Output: 5:19:23
